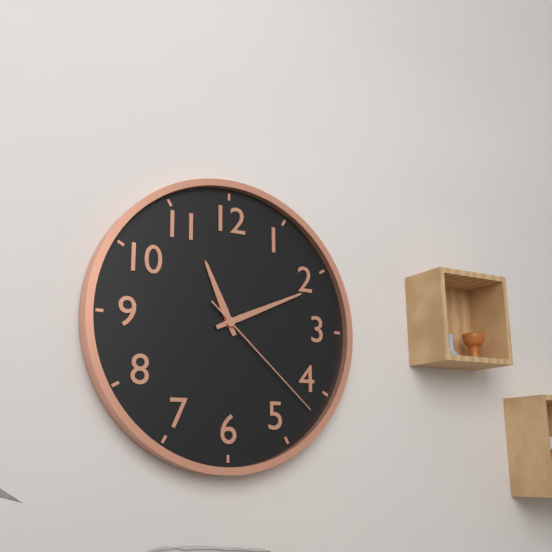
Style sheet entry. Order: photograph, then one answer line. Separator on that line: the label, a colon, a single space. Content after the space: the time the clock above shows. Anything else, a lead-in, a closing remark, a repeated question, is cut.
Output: 11:11:22
